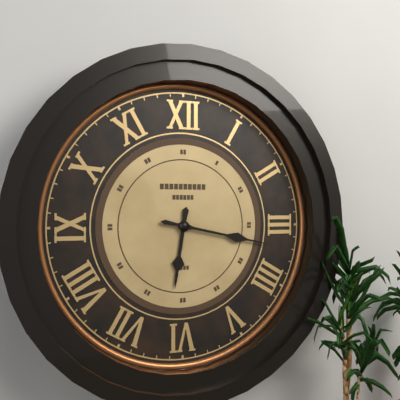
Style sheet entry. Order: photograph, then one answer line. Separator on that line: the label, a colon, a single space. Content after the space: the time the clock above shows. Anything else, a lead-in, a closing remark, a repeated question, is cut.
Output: 6:17
